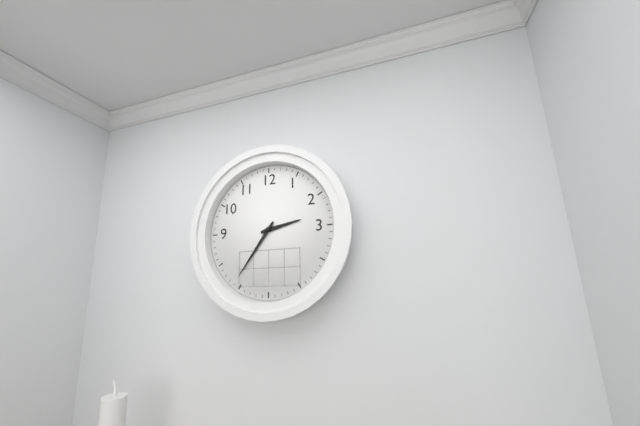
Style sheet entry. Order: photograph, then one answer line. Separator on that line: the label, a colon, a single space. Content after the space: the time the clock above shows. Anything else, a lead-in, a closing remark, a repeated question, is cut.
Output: 2:36
